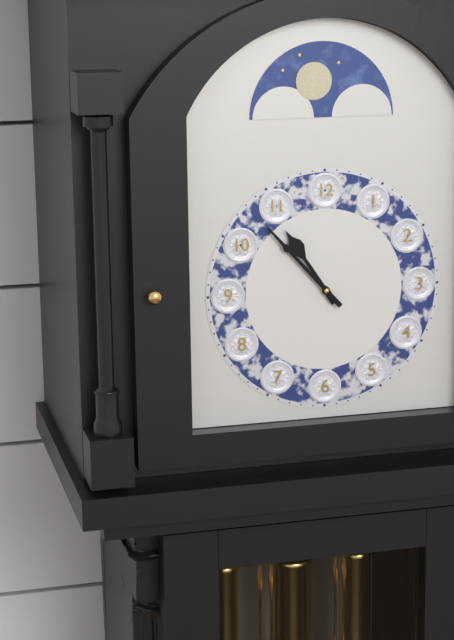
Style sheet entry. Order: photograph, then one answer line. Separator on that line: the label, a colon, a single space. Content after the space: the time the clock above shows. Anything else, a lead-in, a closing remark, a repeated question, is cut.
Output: 10:53
